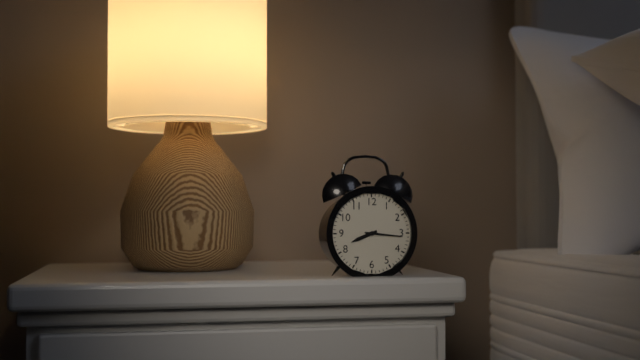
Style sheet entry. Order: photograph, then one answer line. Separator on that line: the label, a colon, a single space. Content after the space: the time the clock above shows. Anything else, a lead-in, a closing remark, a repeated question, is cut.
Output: 8:16
